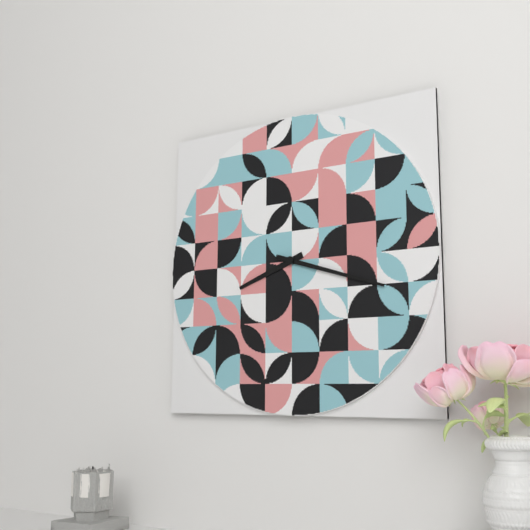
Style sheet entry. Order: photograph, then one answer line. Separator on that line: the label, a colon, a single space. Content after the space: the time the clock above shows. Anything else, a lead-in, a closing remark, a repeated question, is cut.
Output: 8:18
